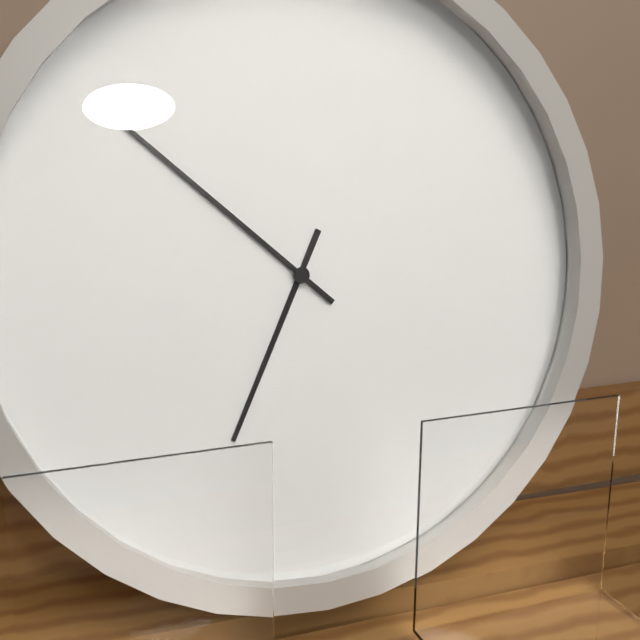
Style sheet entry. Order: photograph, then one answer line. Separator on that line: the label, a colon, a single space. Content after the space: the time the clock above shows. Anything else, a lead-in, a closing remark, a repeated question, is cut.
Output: 6:52
